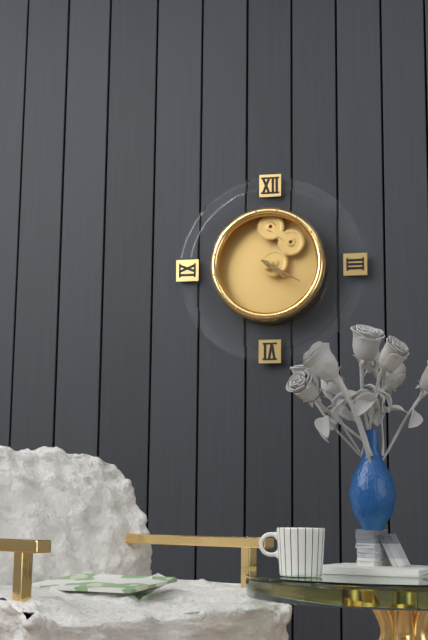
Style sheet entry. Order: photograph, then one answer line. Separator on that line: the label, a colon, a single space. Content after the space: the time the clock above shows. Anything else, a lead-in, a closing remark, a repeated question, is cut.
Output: 4:20
